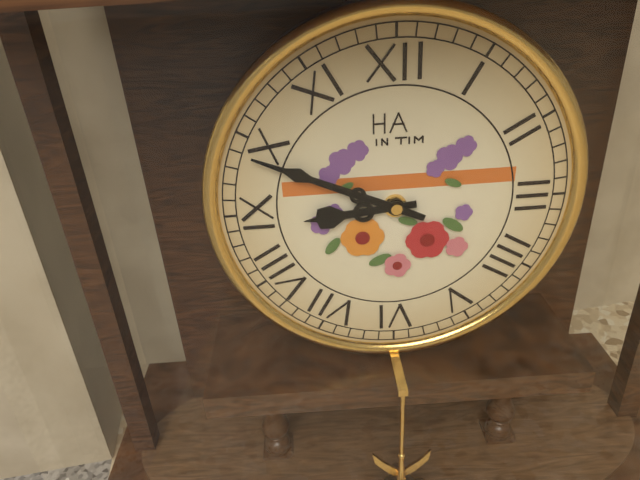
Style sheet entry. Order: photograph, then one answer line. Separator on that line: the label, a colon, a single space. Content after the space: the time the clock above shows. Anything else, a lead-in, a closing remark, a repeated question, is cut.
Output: 8:49
